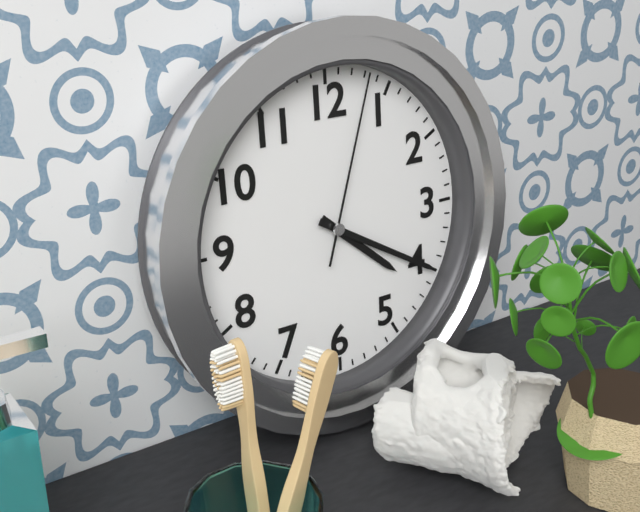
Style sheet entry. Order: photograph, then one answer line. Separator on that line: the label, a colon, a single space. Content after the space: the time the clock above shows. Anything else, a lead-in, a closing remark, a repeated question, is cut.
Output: 4:20:03
